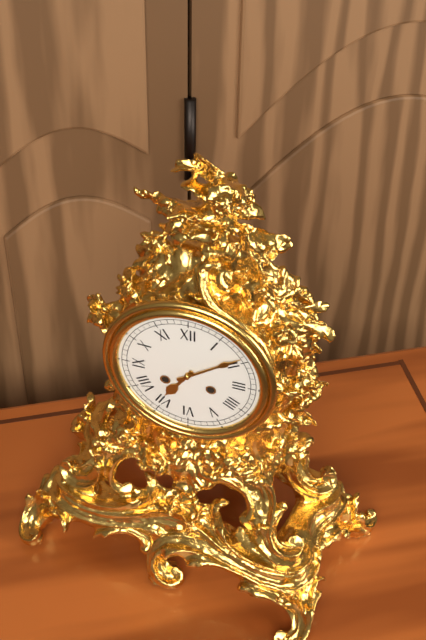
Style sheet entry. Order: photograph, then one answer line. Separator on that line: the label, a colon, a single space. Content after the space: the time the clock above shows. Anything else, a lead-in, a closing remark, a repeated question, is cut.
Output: 7:09
